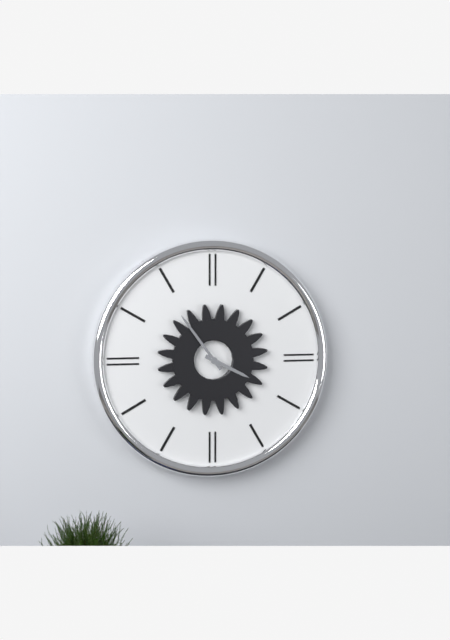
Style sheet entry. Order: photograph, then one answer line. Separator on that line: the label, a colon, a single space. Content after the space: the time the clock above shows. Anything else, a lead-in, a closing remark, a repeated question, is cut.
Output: 3:54
